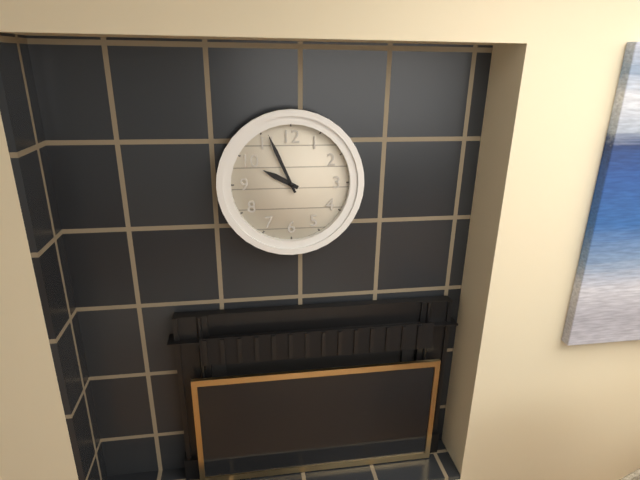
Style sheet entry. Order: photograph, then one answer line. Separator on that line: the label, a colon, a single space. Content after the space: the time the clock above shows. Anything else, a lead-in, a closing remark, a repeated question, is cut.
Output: 9:56
